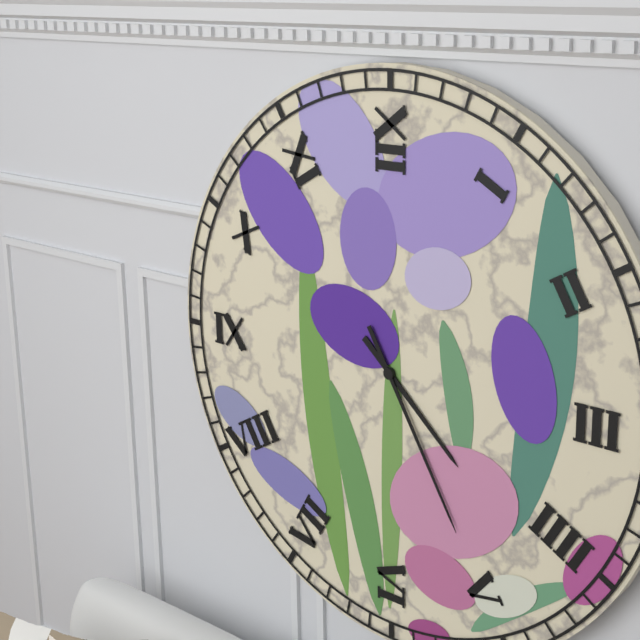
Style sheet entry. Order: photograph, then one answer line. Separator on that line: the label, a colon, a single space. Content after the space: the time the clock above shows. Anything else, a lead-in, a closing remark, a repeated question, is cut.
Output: 4:25
